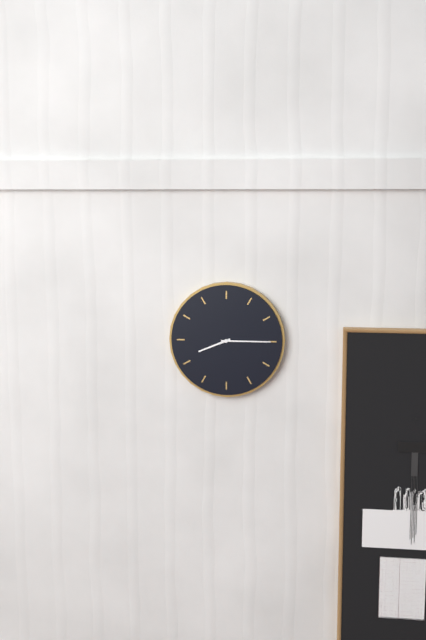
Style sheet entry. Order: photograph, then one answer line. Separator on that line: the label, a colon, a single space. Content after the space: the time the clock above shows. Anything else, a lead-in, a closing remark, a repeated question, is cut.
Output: 8:15
